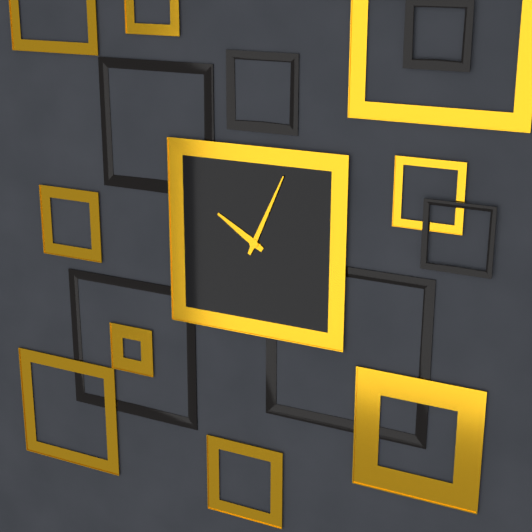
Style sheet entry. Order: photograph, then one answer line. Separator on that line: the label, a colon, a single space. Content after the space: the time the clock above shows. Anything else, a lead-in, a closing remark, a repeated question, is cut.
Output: 10:04
